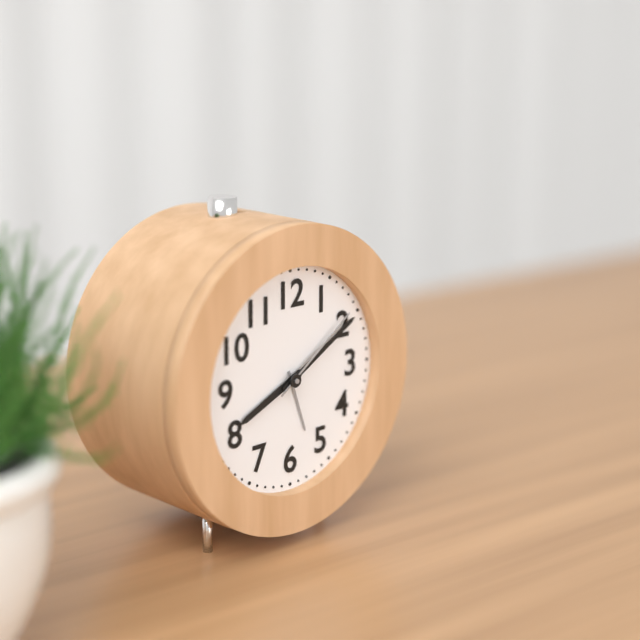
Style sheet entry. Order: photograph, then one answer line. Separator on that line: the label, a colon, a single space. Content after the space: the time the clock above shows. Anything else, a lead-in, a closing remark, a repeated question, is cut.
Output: 8:10:09
